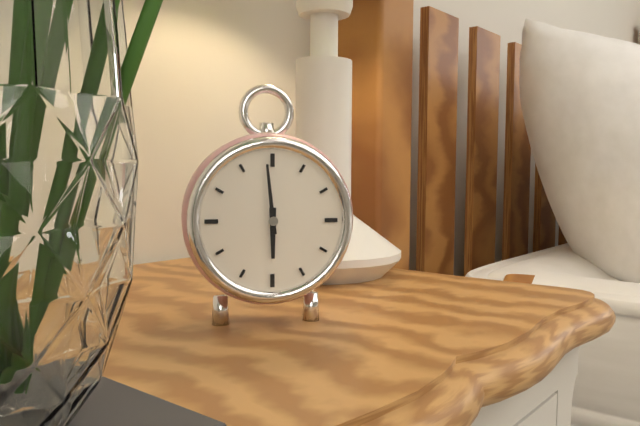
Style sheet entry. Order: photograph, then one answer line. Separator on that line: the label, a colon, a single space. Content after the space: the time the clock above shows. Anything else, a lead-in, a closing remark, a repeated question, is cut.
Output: 5:59
